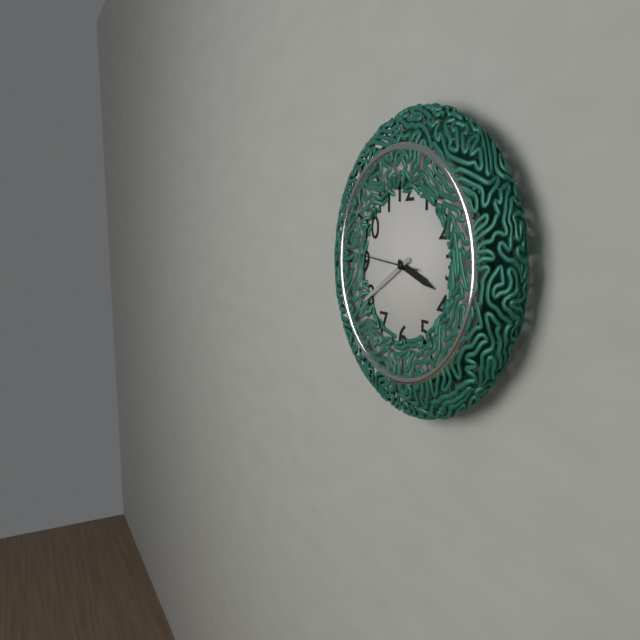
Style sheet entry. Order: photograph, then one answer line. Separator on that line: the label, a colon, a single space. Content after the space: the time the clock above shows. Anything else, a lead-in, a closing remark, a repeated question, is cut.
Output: 3:40:46
